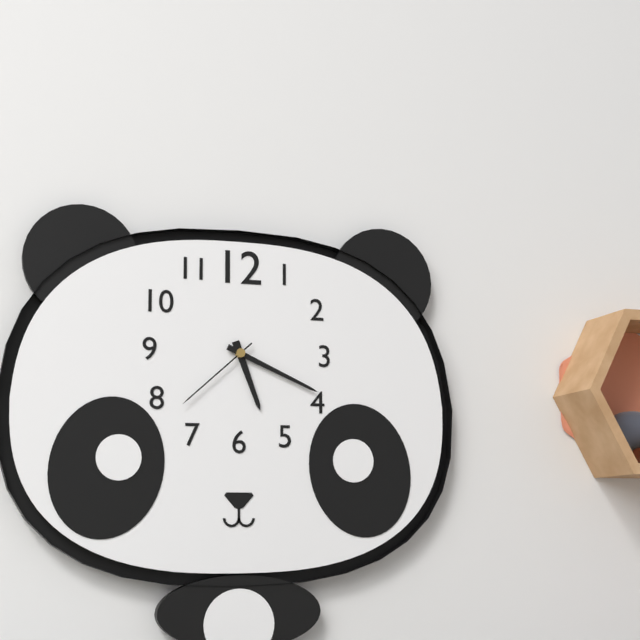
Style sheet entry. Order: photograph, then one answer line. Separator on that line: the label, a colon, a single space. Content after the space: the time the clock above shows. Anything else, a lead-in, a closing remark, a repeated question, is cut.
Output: 5:19:38
